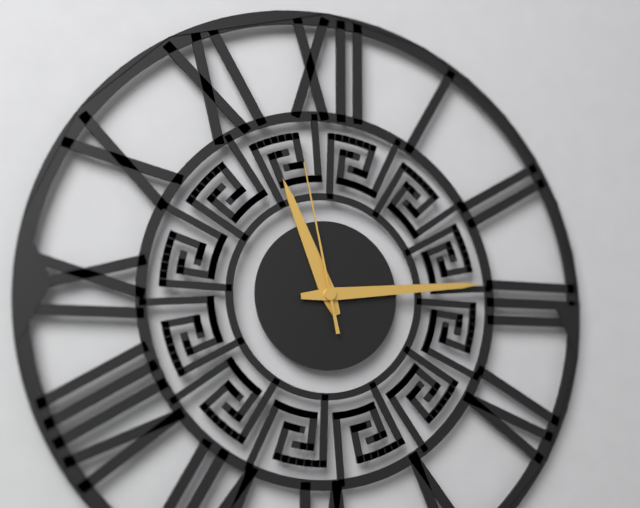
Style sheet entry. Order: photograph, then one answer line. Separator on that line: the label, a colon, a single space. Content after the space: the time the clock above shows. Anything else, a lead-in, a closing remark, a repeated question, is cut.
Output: 11:14:58
